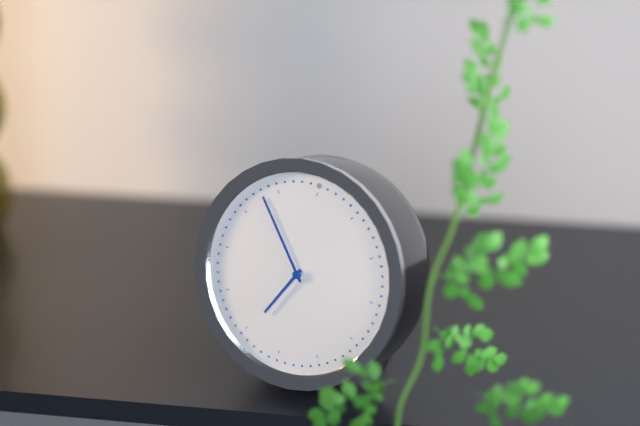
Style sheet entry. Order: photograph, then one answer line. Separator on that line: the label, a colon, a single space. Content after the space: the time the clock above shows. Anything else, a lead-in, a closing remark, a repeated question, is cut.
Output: 6:53
